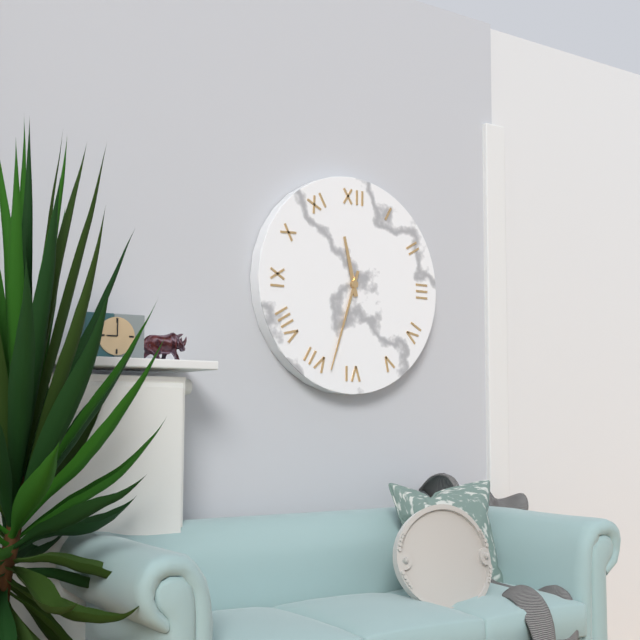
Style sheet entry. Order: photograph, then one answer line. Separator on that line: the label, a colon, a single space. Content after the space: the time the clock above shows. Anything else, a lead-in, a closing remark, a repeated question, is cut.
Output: 11:33
